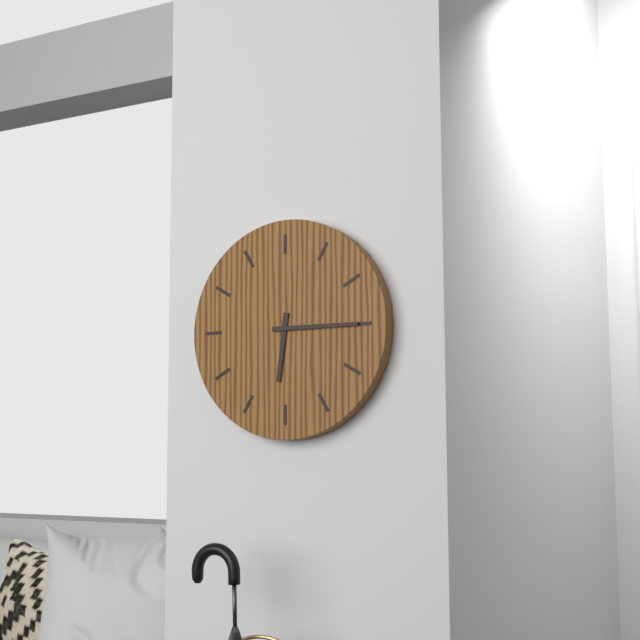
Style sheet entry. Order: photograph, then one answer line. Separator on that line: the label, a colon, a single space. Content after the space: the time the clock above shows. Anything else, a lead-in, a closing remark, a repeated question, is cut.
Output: 6:15
